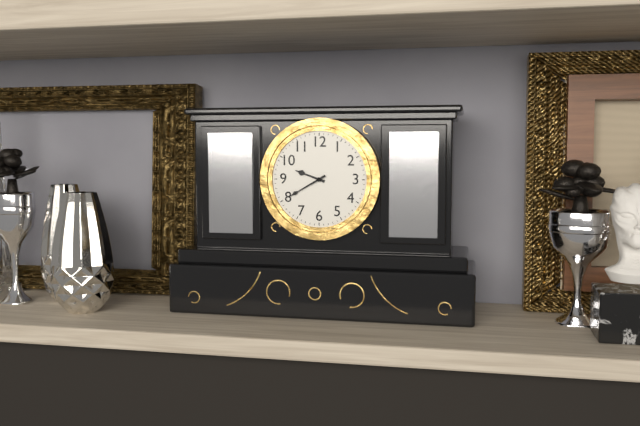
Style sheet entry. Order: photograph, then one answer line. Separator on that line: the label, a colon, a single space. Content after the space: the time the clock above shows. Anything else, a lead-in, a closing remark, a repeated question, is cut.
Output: 9:40
